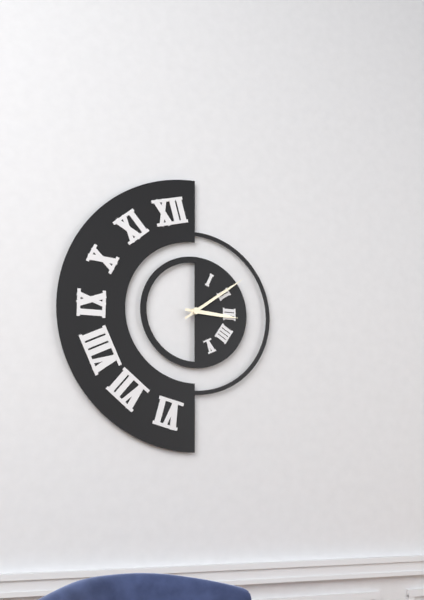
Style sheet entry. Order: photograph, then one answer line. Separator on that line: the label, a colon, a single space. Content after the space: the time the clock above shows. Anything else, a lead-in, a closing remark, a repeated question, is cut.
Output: 3:09
